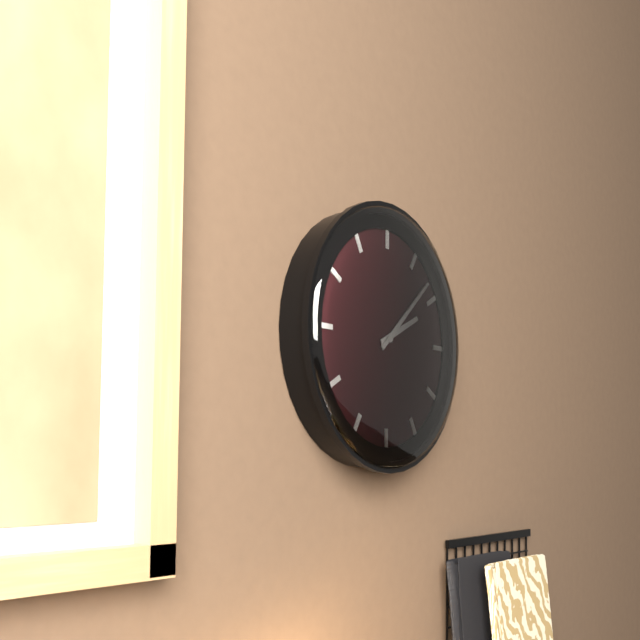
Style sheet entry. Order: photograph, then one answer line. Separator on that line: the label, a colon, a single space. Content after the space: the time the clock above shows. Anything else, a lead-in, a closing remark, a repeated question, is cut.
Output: 2:08
